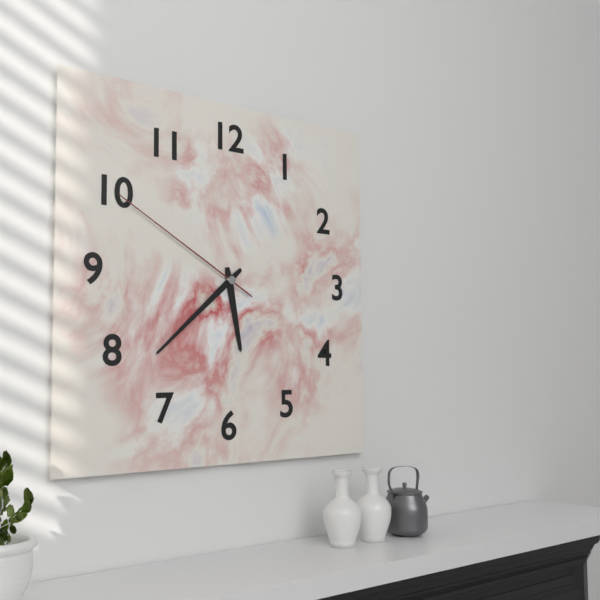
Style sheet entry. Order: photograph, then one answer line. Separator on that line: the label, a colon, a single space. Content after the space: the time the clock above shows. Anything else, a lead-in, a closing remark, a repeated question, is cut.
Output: 5:38:50
